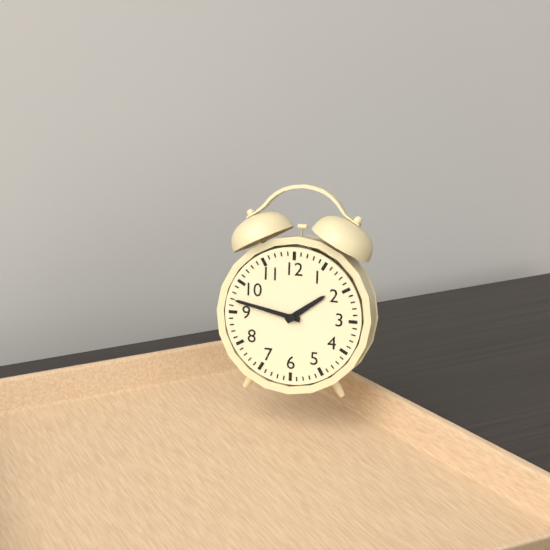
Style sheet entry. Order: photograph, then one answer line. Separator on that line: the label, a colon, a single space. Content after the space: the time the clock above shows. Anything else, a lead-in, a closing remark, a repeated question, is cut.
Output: 1:47
